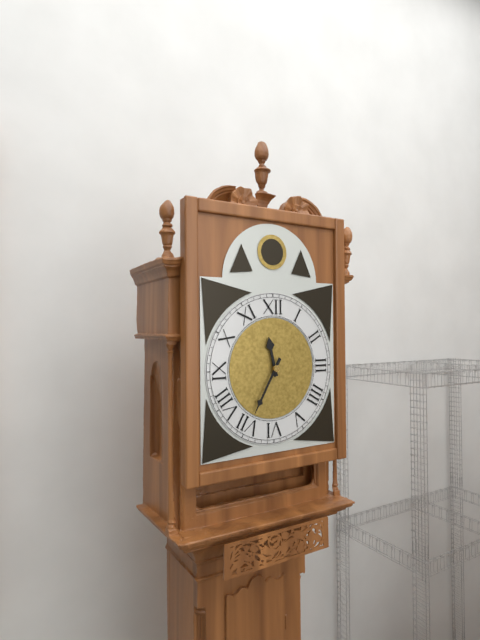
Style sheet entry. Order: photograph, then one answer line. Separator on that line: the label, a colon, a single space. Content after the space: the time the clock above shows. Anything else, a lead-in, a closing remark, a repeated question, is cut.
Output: 11:35
